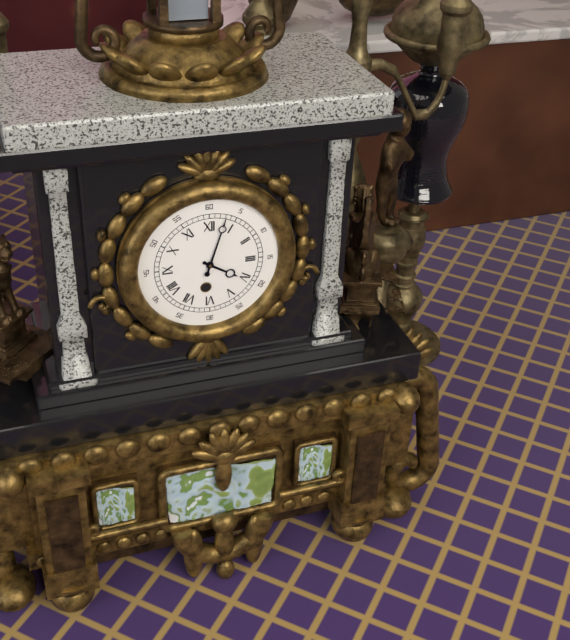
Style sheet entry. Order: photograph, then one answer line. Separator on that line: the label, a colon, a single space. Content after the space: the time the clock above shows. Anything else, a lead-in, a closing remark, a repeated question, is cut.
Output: 4:03
